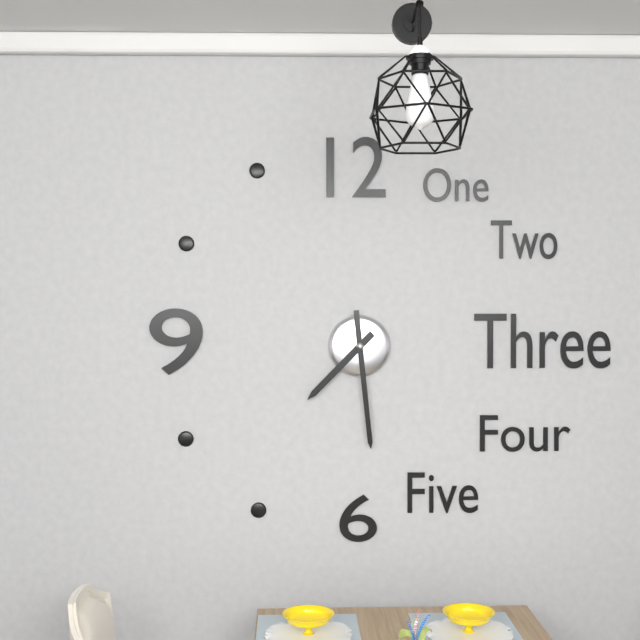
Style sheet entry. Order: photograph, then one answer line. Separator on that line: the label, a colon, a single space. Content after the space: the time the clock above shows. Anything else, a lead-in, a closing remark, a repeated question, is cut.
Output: 7:29
